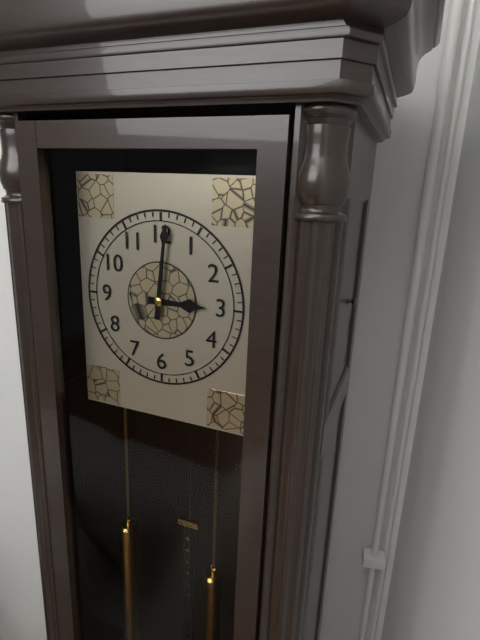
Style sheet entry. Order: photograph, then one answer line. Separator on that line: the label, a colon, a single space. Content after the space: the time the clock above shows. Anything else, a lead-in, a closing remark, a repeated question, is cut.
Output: 3:01
